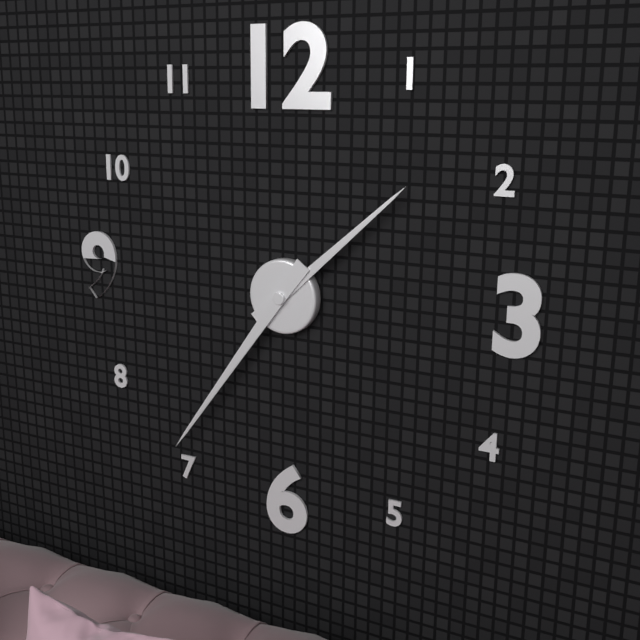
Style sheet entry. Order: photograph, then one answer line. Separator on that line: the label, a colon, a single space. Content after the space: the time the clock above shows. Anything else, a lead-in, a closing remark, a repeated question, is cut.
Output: 1:36
